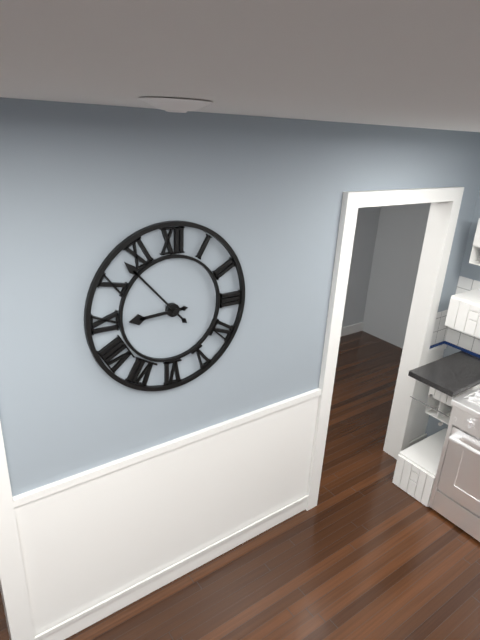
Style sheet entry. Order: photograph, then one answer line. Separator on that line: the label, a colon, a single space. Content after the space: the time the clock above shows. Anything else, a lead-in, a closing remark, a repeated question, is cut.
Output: 8:53
